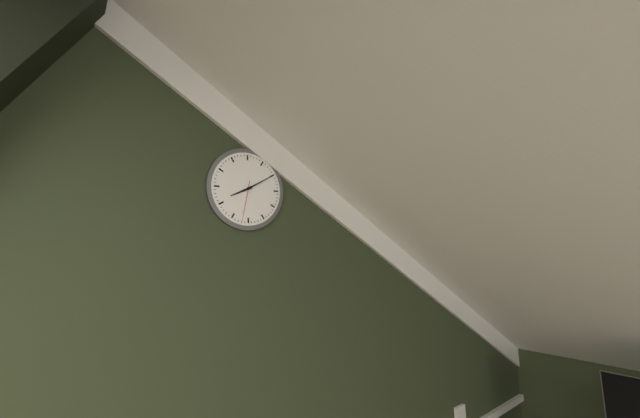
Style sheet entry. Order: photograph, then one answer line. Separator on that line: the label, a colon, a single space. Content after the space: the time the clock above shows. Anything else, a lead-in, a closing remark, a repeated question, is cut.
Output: 8:10
